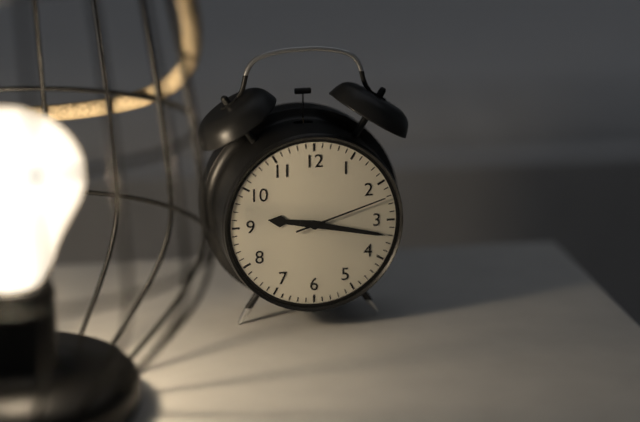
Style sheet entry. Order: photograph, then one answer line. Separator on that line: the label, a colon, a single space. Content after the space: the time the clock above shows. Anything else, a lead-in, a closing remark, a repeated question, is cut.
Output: 9:17:12
